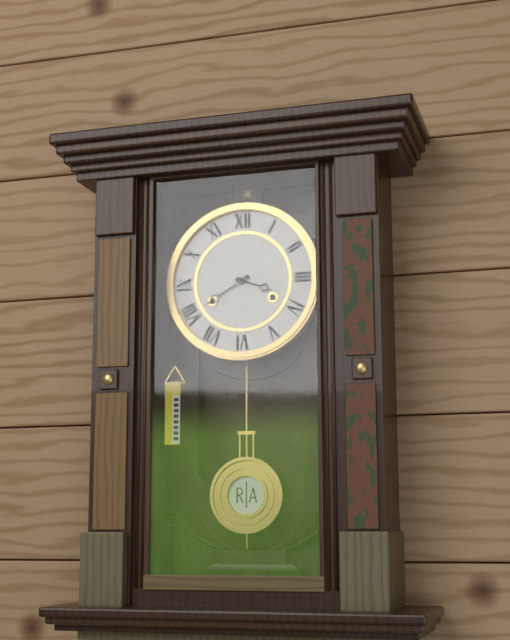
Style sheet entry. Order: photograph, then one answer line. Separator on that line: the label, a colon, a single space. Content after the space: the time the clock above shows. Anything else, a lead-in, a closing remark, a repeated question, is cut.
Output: 3:40
